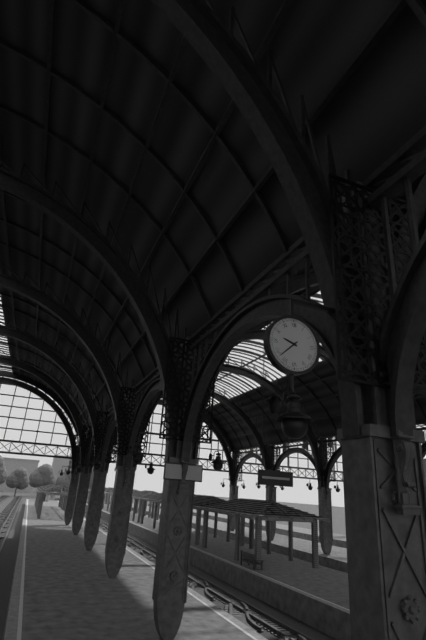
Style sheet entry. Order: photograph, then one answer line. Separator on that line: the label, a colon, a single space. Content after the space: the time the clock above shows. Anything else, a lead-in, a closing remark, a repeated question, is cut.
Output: 9:38
